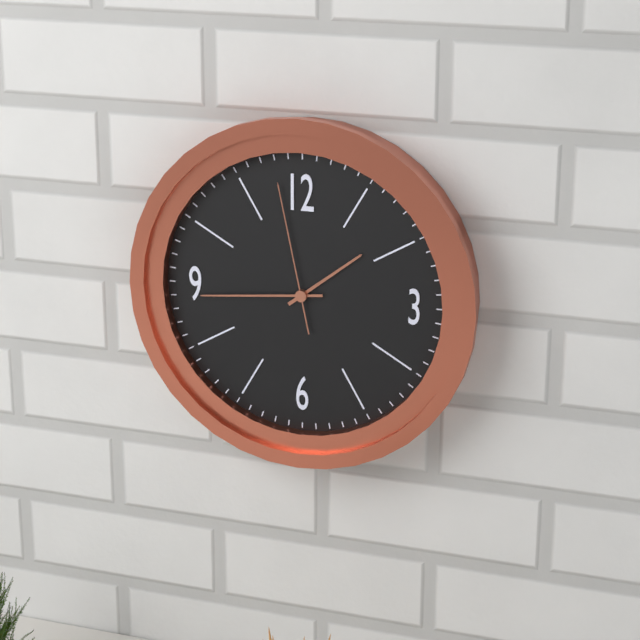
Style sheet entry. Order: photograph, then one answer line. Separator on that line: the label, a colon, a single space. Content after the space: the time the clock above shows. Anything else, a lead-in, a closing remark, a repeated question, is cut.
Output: 1:44:58
